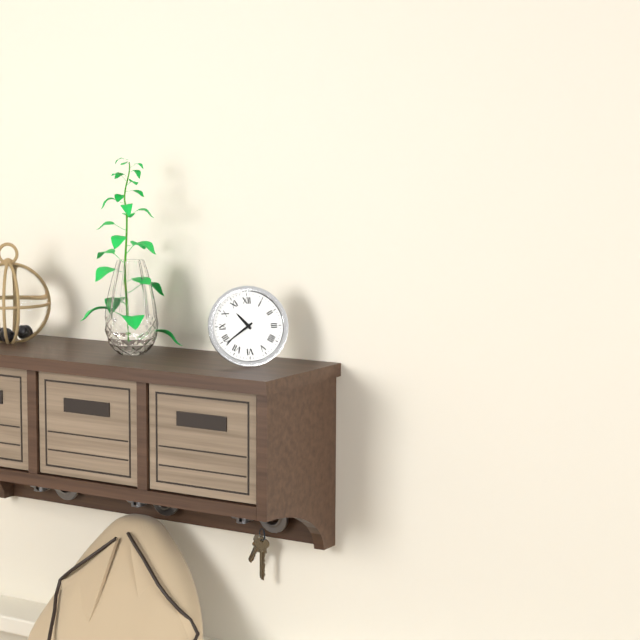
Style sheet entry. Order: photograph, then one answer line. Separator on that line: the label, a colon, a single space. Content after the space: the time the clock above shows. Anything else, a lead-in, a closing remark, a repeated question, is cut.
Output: 10:39
